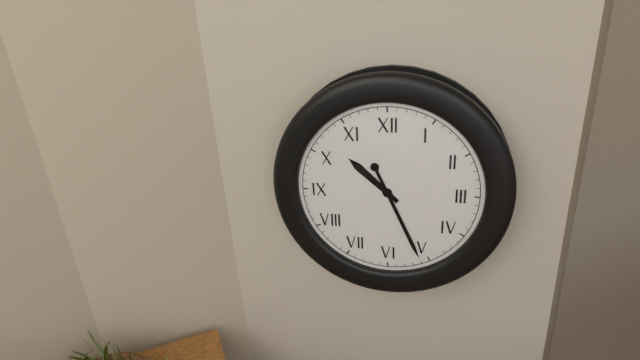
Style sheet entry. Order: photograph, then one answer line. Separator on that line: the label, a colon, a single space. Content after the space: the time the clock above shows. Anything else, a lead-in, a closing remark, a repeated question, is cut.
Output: 10:26
